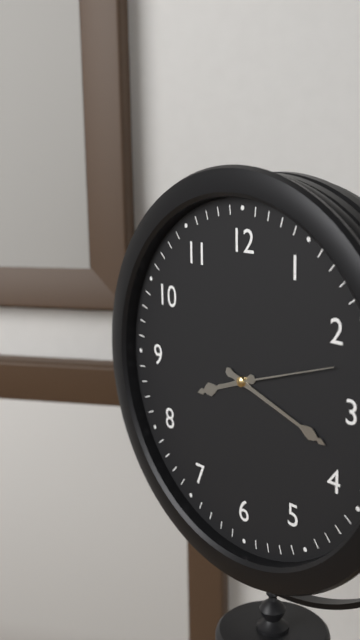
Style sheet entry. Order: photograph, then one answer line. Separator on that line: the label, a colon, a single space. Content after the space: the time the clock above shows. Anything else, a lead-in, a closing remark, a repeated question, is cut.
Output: 8:18:12
